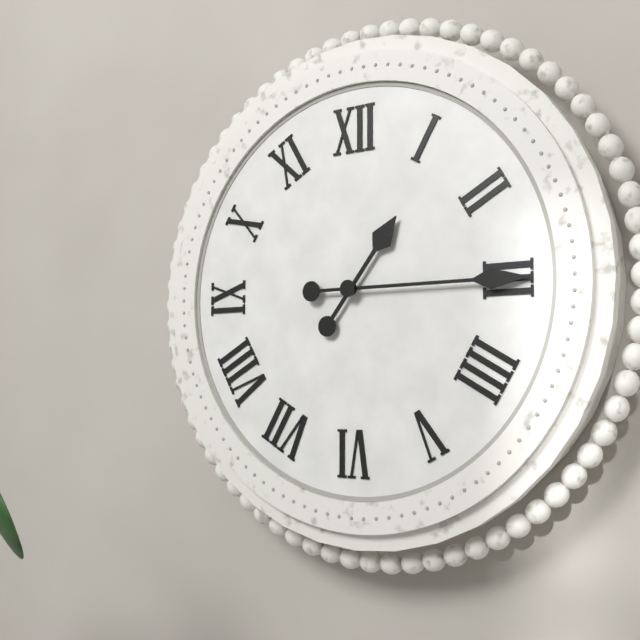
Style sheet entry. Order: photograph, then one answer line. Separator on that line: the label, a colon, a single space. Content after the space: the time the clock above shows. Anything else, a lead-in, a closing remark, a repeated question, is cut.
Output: 1:15
